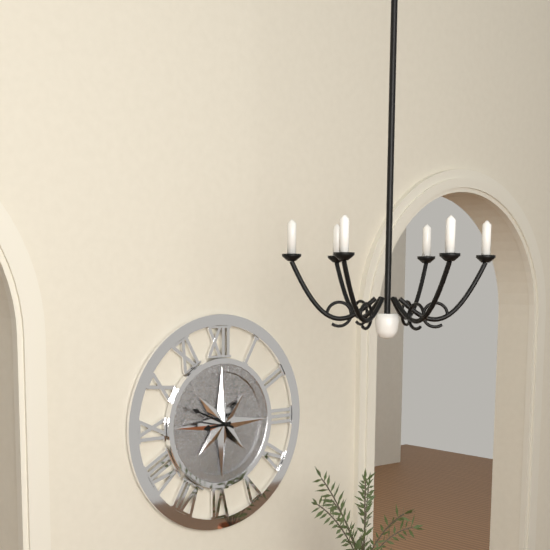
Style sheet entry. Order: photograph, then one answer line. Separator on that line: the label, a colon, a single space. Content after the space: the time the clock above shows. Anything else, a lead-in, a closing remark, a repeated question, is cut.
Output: 8:49
